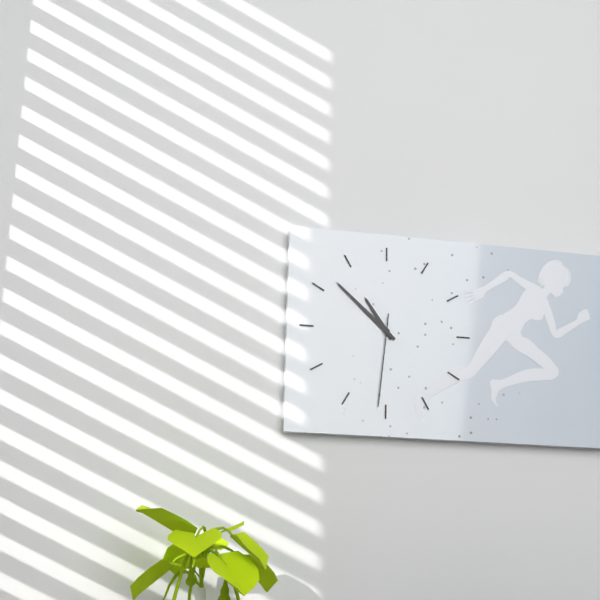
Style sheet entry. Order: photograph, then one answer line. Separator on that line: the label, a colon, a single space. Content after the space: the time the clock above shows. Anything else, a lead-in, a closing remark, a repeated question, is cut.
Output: 10:52:31
